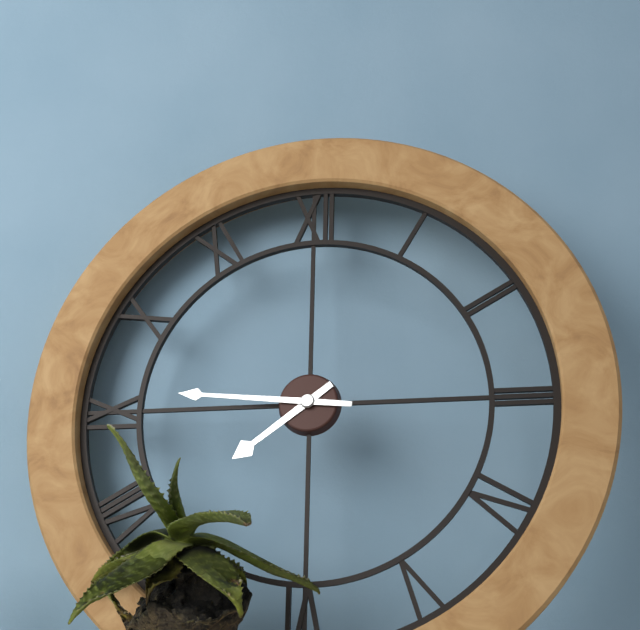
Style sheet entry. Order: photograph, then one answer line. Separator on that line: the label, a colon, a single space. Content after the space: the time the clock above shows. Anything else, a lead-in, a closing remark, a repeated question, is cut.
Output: 7:46
